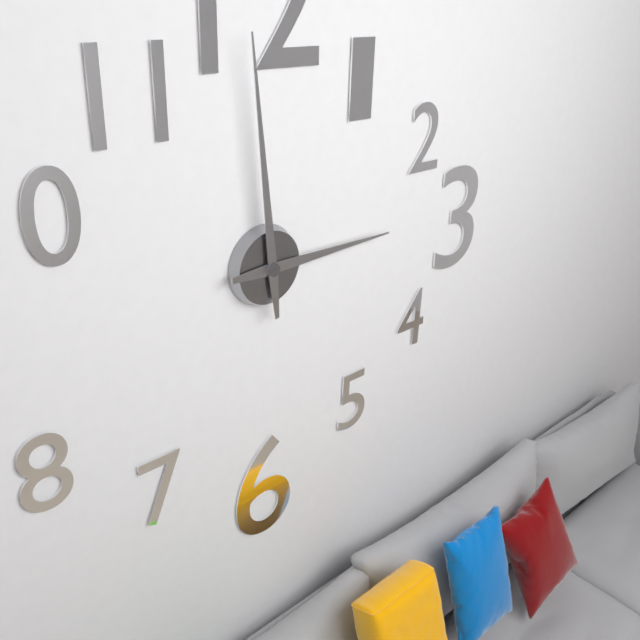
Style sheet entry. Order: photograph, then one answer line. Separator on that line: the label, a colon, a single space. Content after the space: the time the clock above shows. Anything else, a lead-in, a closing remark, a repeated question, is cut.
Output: 2:59
